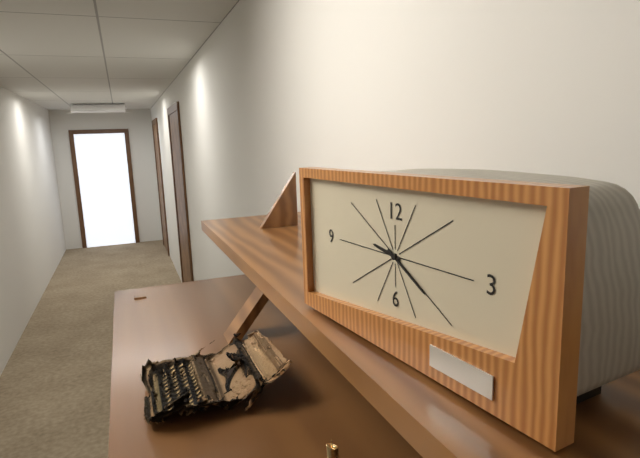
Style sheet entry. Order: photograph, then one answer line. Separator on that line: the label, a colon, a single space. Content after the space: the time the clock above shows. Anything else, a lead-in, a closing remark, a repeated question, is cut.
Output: 9:20
